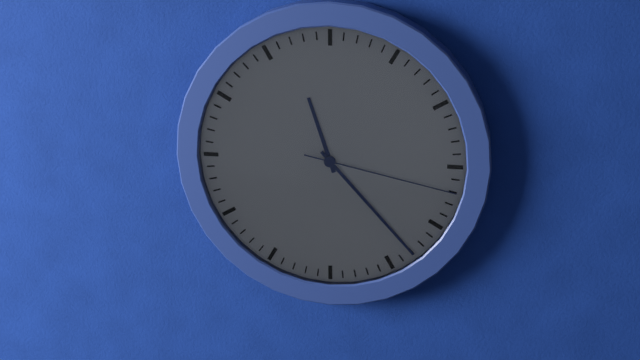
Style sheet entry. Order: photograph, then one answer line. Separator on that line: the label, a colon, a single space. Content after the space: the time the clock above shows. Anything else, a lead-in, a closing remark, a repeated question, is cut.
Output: 11:23:17
